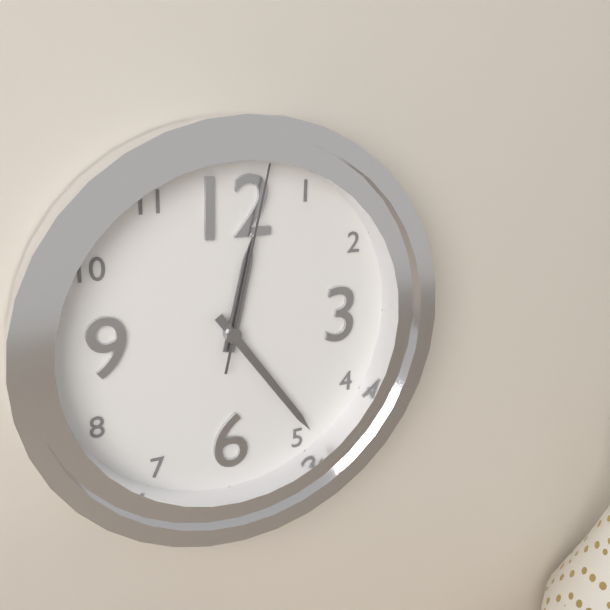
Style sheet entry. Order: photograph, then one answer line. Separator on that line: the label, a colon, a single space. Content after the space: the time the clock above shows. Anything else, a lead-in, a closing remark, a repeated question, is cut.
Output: 12:24:02
